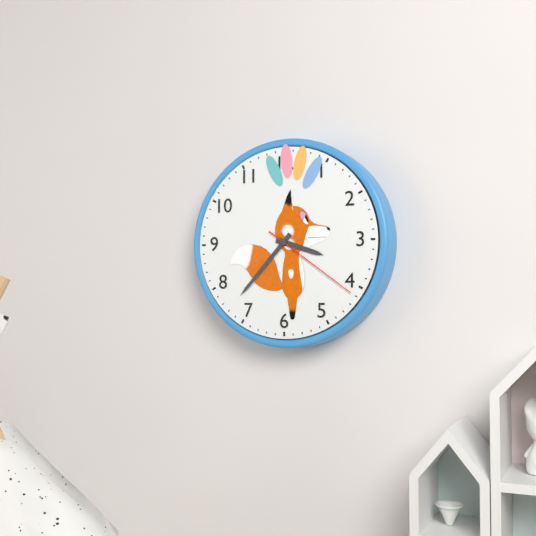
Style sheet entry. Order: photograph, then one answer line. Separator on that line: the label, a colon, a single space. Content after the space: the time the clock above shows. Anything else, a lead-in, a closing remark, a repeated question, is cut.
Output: 3:37:21
